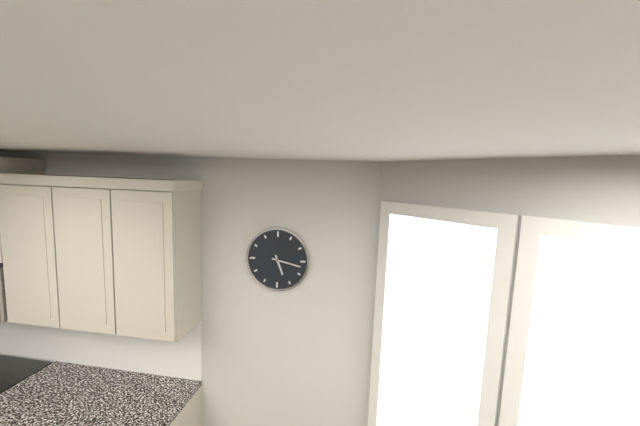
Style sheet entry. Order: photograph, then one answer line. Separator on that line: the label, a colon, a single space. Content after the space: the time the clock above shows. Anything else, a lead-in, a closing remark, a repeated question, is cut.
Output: 5:17
